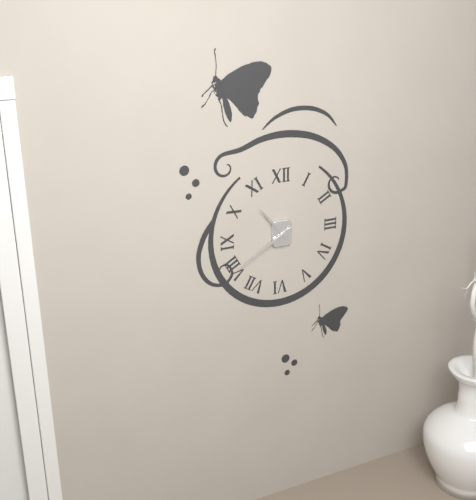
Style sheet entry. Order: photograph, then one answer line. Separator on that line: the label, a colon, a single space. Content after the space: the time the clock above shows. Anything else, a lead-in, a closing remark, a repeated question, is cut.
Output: 10:40
